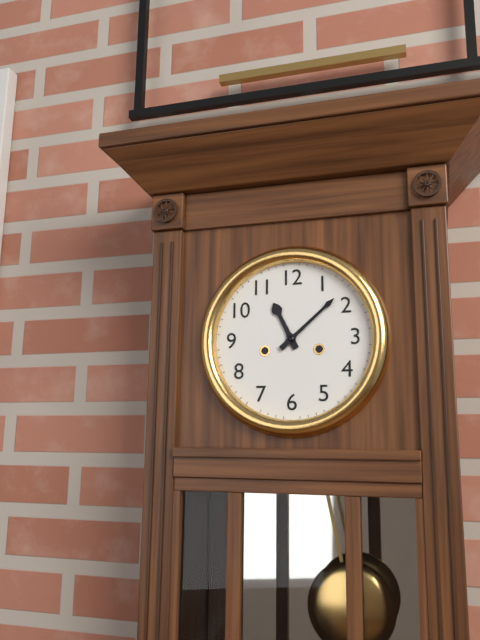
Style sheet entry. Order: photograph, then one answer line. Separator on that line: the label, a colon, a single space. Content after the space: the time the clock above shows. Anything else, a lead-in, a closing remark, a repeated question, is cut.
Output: 11:08
